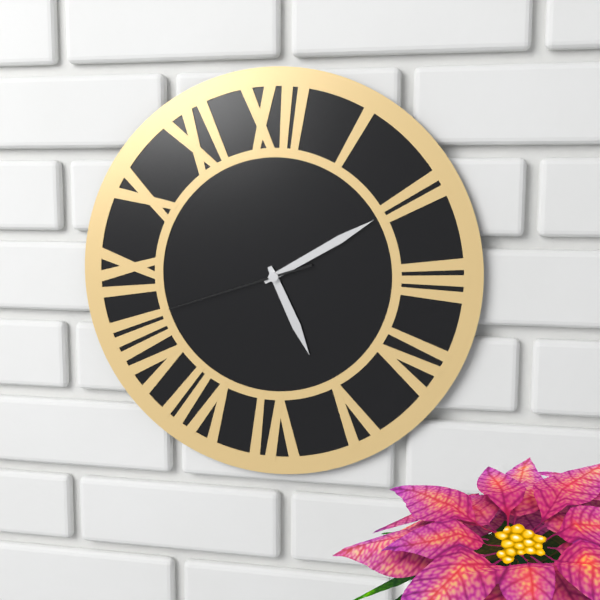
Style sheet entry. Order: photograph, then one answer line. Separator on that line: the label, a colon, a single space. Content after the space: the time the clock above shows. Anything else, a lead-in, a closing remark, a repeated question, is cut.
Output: 5:10:42
